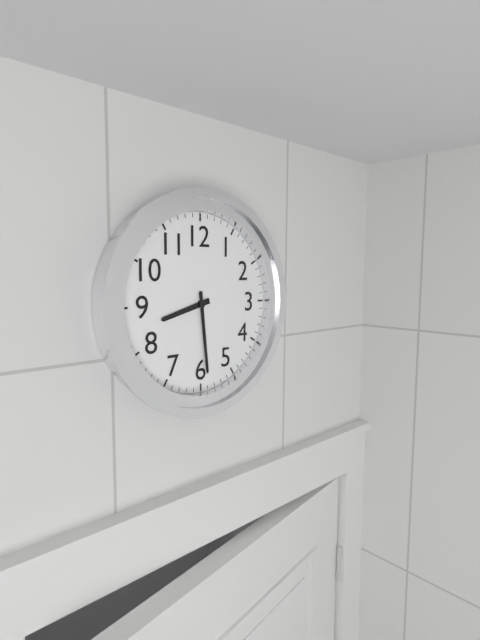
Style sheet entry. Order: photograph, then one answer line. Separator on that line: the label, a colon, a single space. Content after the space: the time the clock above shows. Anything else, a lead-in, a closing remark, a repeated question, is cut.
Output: 8:29
